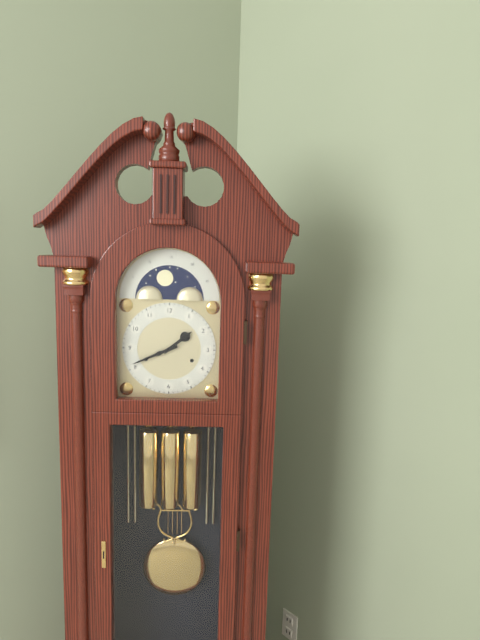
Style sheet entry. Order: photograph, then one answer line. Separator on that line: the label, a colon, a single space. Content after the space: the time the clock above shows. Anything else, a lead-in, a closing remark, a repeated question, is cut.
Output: 1:41
